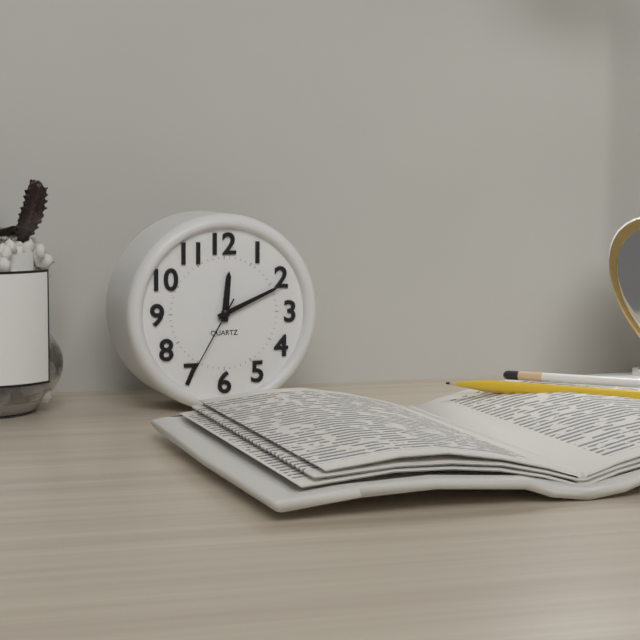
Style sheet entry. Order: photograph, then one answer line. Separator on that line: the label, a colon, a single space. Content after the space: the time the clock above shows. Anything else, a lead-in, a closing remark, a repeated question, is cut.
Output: 12:11:35
